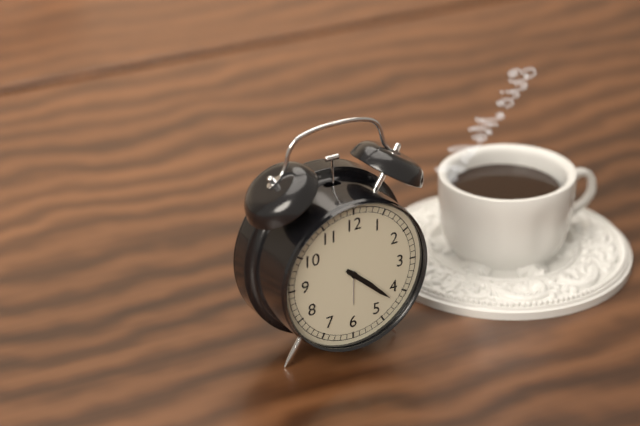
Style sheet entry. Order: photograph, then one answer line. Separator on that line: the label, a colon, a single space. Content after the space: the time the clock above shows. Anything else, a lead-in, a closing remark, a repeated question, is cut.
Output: 4:22
